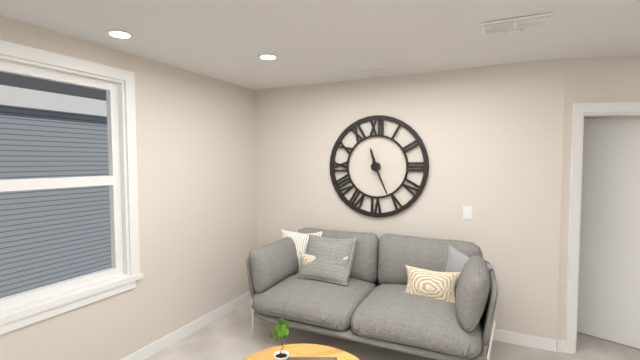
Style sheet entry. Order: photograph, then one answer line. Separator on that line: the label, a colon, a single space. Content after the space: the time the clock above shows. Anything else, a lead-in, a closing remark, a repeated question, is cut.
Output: 11:26
